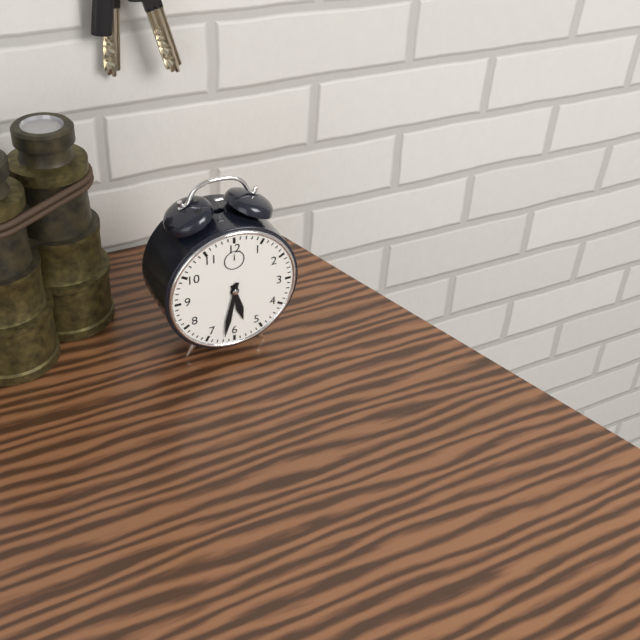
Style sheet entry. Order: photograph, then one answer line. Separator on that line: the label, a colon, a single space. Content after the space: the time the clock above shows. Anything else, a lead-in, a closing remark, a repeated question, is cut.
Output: 5:32
